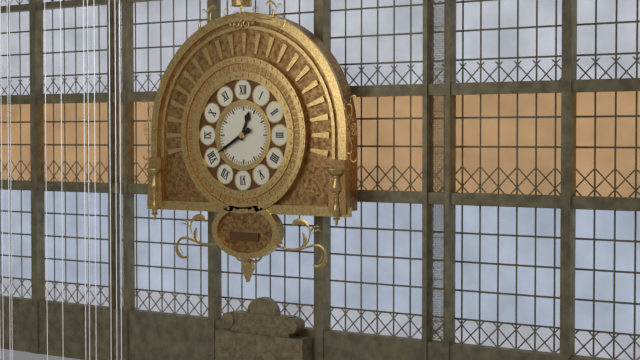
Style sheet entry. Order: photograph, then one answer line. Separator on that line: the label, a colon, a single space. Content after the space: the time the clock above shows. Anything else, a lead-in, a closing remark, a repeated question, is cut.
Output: 12:40
